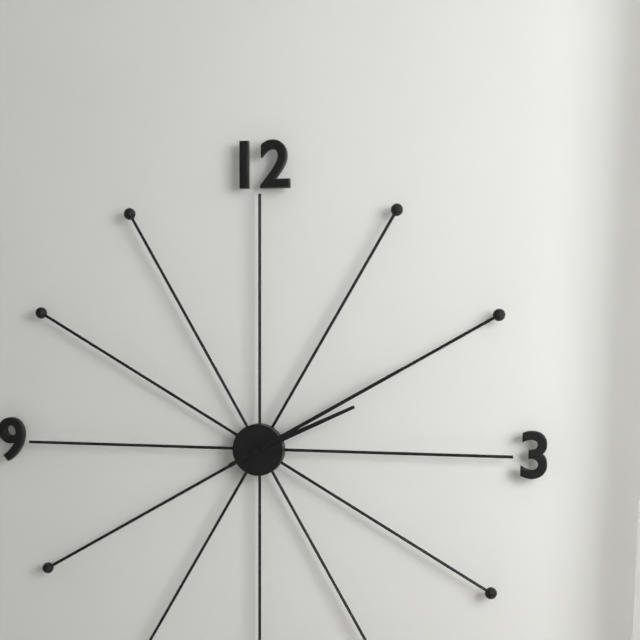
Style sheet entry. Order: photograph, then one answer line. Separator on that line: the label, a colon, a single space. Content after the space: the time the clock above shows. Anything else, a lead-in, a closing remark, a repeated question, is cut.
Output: 2:10
